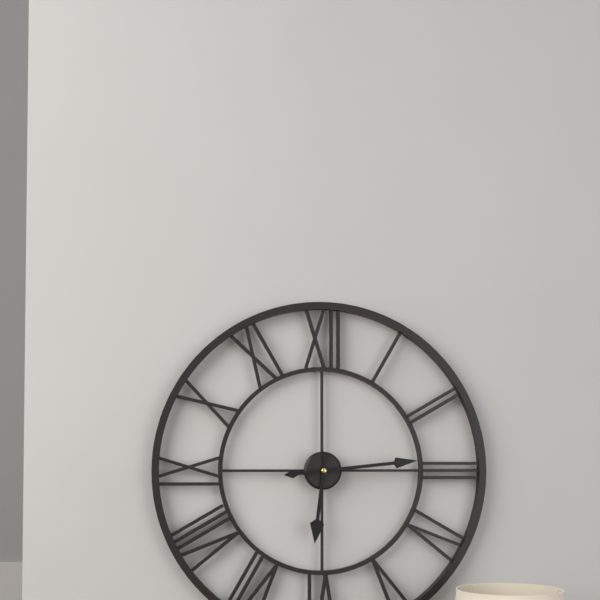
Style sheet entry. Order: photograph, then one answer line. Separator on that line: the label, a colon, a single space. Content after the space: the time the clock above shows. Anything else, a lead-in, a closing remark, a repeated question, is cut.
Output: 6:14
